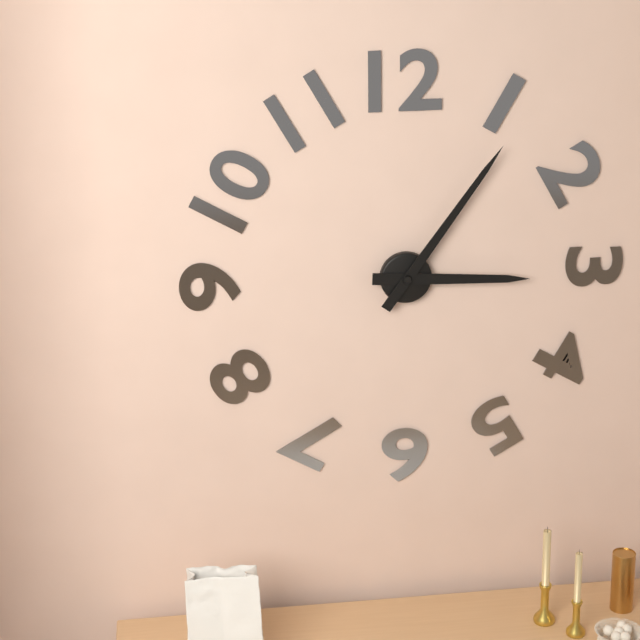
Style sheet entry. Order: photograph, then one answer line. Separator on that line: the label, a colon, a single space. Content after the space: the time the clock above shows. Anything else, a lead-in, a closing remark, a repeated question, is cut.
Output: 3:06
